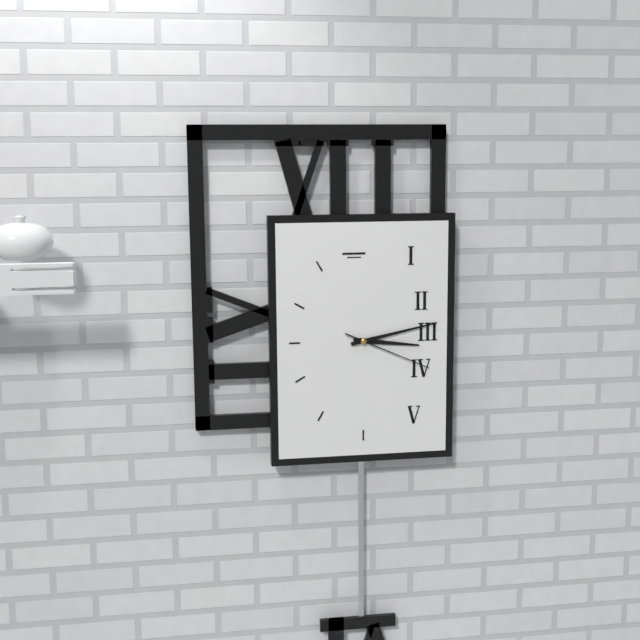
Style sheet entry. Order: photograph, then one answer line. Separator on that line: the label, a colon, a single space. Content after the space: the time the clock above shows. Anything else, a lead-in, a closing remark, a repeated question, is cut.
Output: 3:13:19
